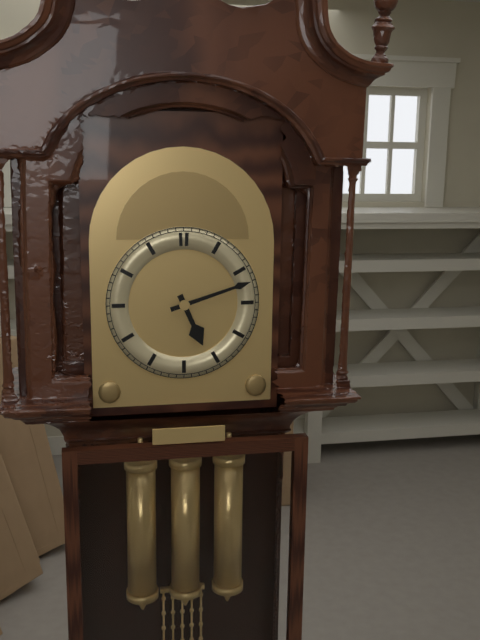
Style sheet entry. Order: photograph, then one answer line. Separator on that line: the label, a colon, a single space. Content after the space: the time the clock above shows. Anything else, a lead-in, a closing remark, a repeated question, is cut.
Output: 5:12
